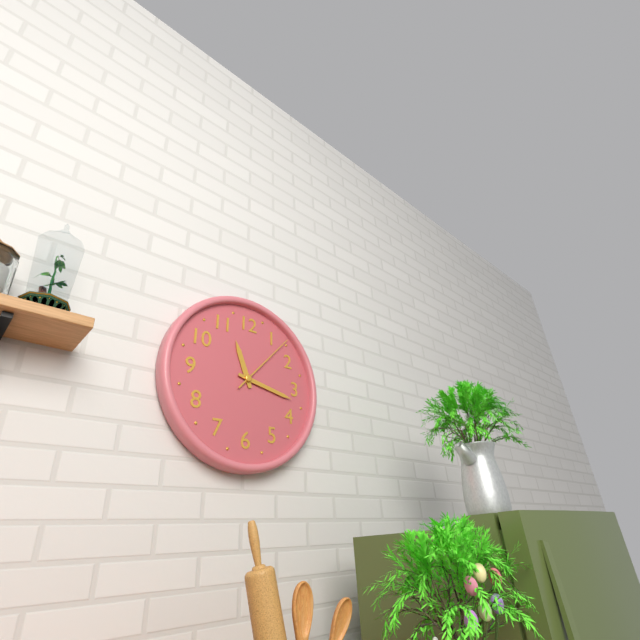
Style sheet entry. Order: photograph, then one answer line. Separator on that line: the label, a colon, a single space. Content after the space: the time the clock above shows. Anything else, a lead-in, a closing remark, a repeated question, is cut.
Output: 11:17:07
